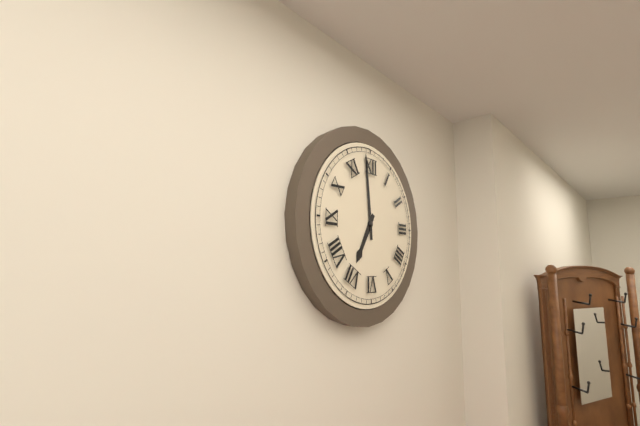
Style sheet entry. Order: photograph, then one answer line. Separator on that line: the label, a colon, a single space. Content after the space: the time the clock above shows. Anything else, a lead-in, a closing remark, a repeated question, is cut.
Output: 6:59
